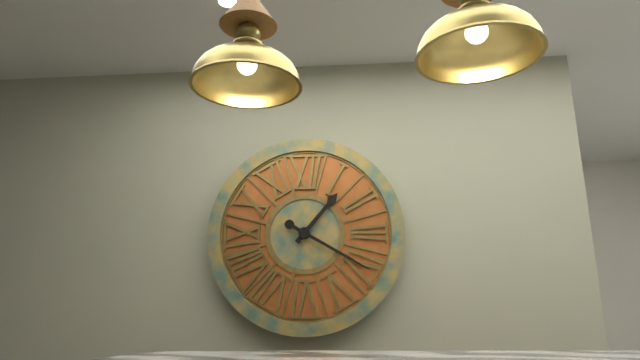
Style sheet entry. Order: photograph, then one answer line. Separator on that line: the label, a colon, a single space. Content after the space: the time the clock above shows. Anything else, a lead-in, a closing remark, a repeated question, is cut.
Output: 1:20
